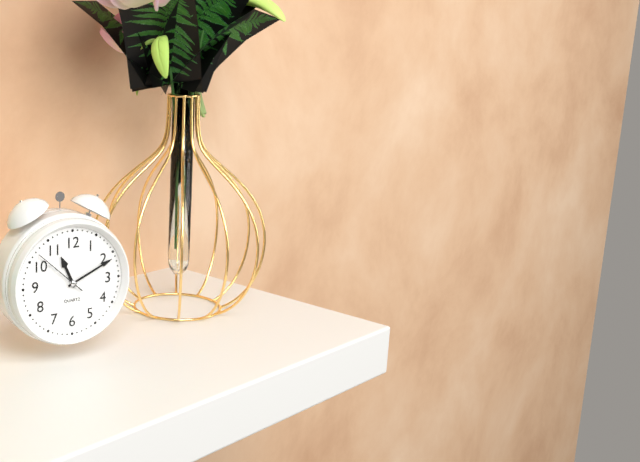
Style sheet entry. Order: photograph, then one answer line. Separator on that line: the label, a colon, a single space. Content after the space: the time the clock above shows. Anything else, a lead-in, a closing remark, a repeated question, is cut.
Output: 11:11:52
